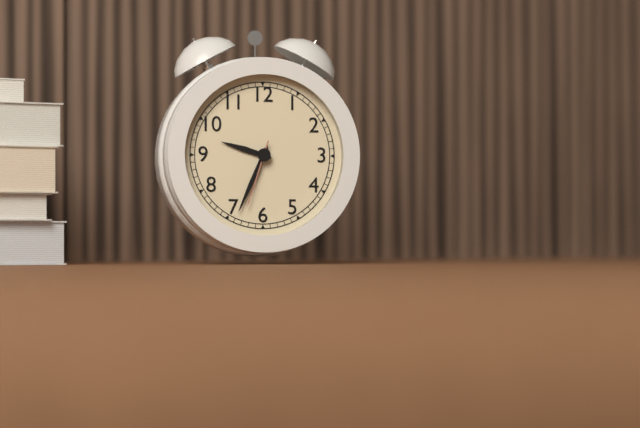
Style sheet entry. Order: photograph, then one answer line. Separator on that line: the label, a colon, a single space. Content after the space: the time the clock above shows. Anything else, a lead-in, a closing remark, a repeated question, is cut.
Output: 9:34:33
